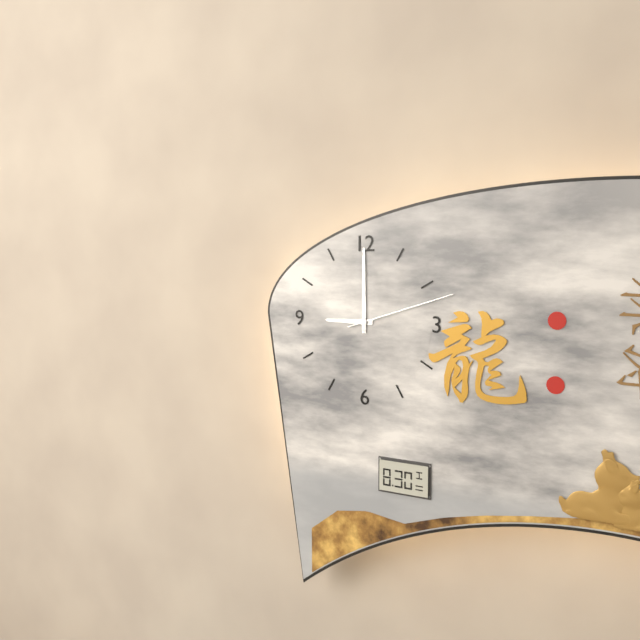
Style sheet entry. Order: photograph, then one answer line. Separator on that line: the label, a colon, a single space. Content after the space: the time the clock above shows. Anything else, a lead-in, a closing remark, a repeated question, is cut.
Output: 9:00:12
